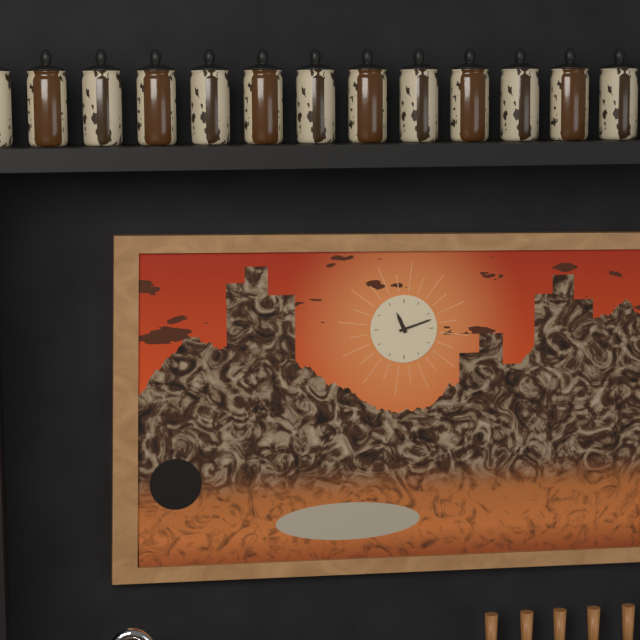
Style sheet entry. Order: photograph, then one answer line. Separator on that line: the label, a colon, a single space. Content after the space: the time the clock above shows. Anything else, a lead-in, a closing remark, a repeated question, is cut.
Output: 11:12
